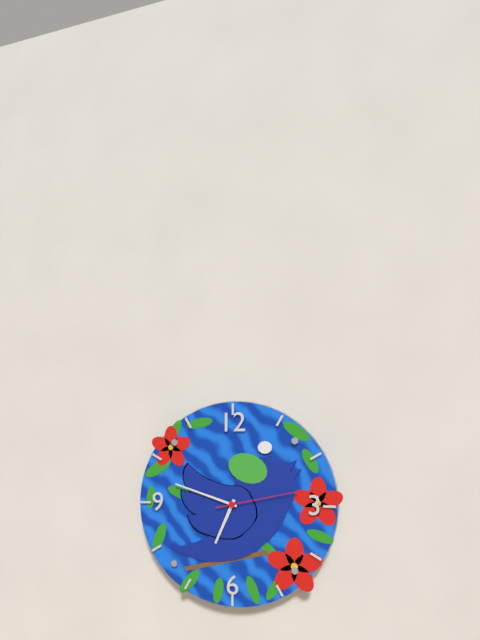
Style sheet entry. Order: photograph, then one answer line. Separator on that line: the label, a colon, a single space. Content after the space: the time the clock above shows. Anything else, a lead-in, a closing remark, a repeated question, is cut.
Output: 6:48:13
